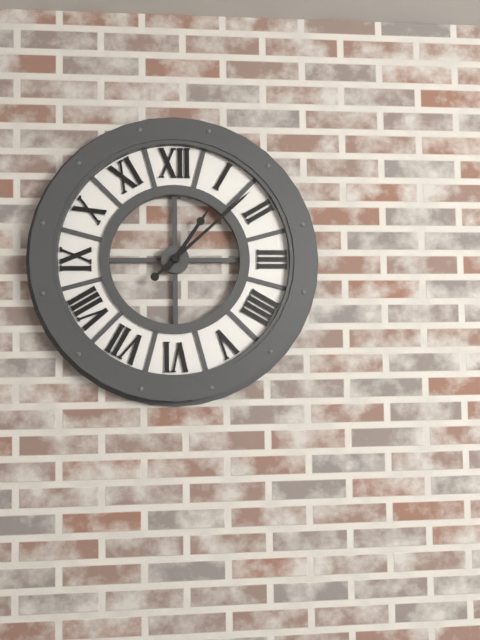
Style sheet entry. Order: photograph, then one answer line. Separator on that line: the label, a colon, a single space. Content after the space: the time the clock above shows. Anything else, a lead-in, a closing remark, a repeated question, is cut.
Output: 1:08
